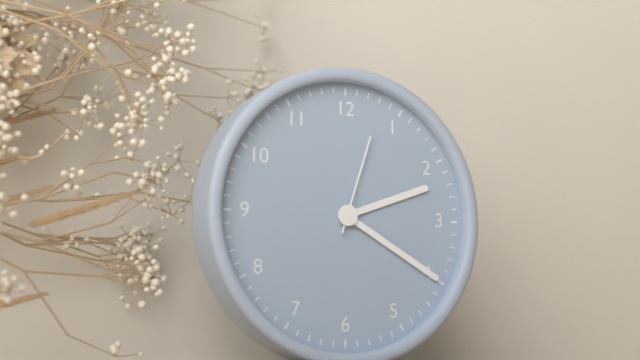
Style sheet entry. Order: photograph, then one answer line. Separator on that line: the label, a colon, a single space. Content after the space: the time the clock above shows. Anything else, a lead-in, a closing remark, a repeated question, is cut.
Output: 2:20:03
